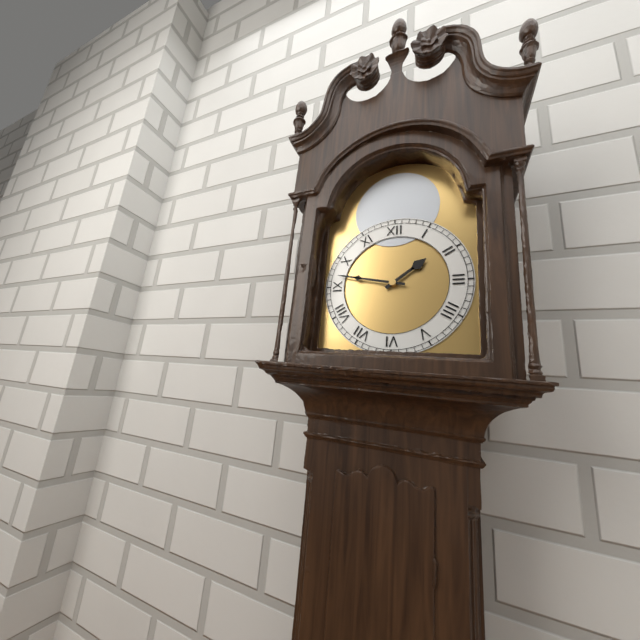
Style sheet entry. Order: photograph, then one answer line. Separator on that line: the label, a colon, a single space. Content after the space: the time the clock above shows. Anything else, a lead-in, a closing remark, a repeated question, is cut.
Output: 1:47
